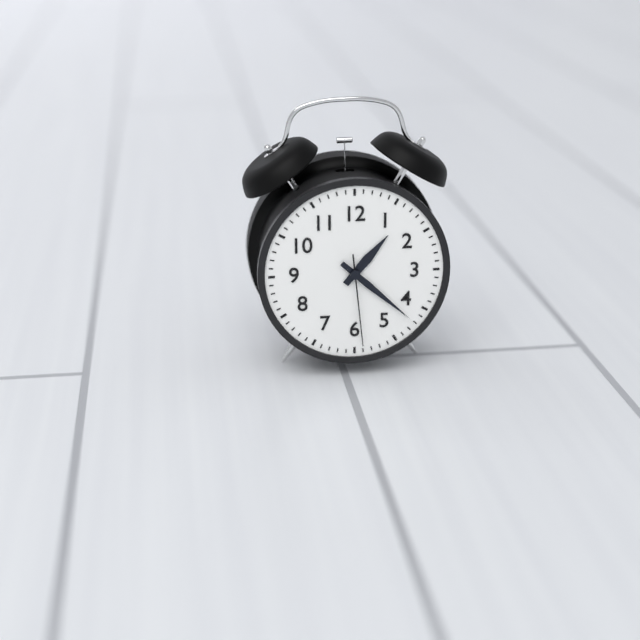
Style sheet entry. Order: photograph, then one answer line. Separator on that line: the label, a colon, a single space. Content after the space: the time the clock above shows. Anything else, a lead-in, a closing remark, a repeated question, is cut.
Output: 1:22:29
